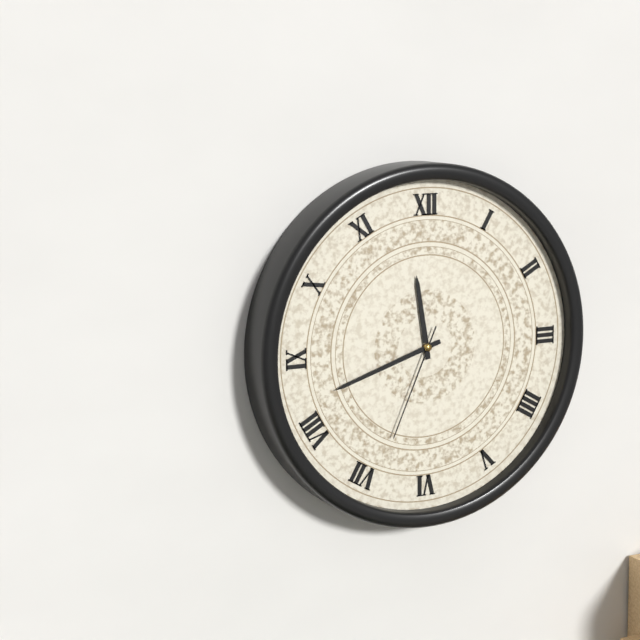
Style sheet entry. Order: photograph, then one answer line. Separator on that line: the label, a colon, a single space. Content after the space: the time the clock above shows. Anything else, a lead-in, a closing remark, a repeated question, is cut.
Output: 11:42:34
